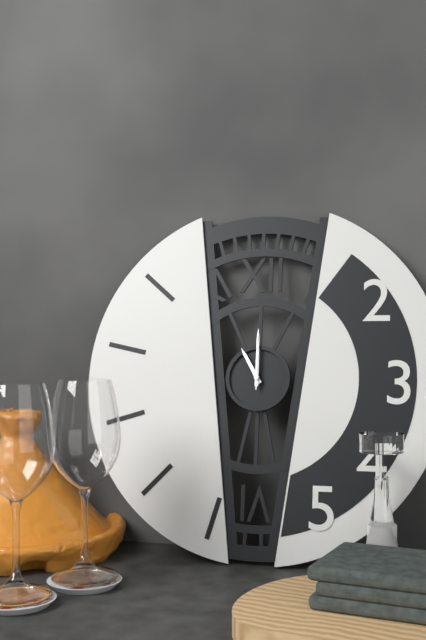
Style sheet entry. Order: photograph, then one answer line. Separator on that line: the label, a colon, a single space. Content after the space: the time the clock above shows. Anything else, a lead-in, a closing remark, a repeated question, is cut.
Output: 11:00:00
